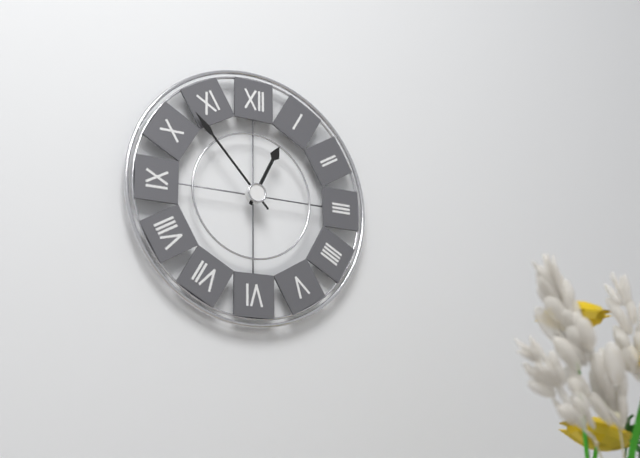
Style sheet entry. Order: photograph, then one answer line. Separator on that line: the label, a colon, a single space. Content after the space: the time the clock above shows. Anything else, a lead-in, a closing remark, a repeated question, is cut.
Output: 12:53
